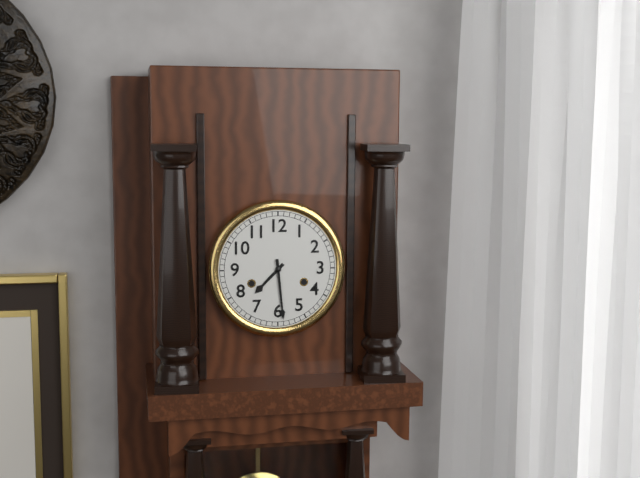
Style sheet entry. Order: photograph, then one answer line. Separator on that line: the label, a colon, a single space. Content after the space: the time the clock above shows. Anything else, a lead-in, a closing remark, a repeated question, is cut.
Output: 7:29
